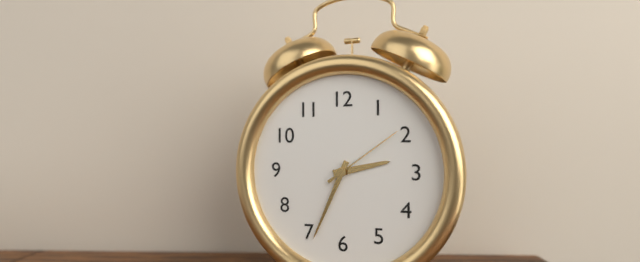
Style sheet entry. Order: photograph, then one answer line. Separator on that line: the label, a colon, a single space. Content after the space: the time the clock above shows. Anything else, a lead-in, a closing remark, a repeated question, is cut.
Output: 2:34:09
